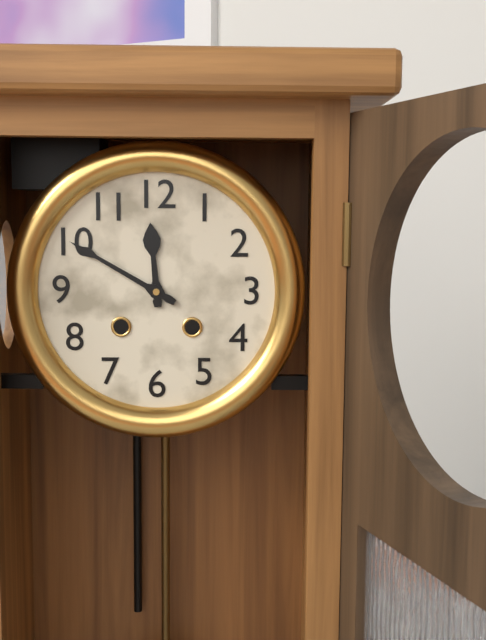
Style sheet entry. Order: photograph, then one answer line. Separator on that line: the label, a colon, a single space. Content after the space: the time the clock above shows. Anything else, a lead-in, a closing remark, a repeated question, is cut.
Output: 11:50
